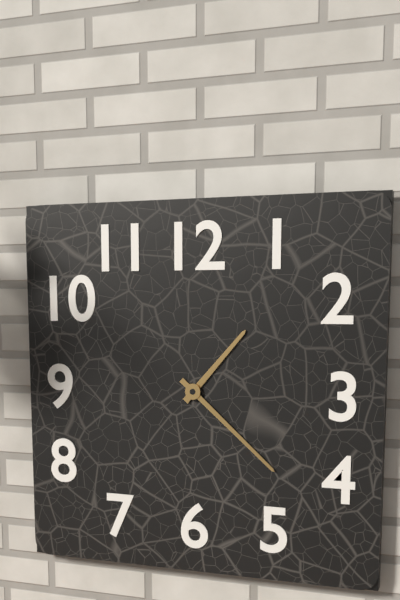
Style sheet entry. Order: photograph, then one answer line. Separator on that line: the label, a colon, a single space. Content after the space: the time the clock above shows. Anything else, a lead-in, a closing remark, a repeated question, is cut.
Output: 1:22
